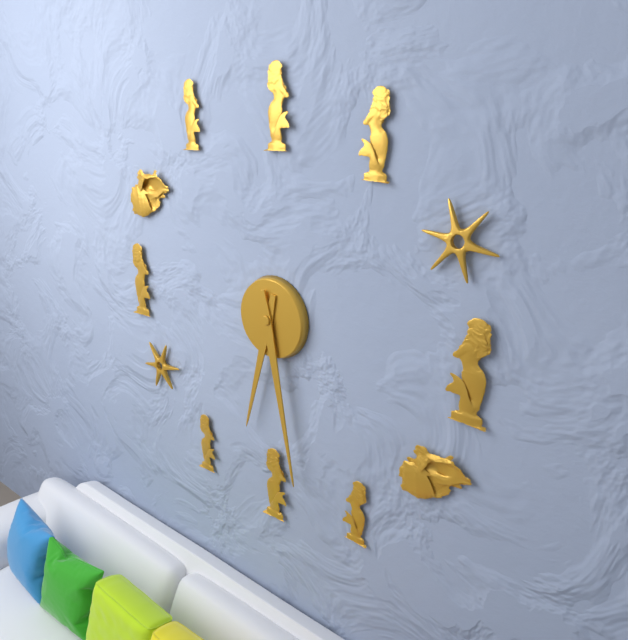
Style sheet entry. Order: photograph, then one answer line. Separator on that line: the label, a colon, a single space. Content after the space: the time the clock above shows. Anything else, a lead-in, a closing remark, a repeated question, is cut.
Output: 6:28
